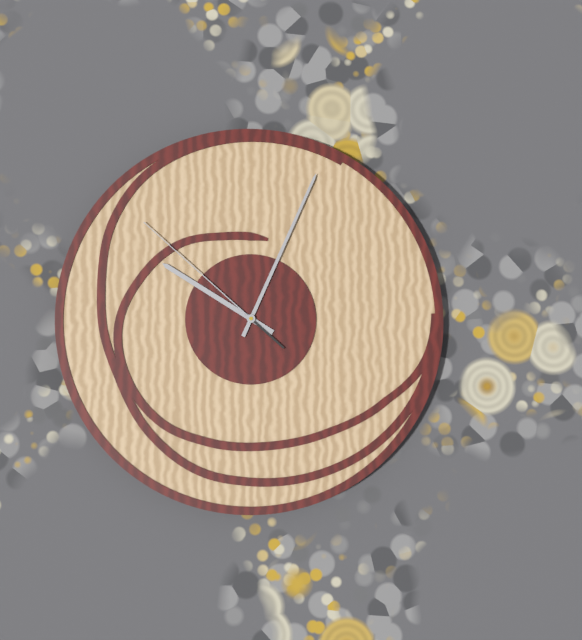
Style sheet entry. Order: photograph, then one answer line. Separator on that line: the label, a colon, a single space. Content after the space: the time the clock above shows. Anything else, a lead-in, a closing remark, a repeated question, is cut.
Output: 10:04:52
